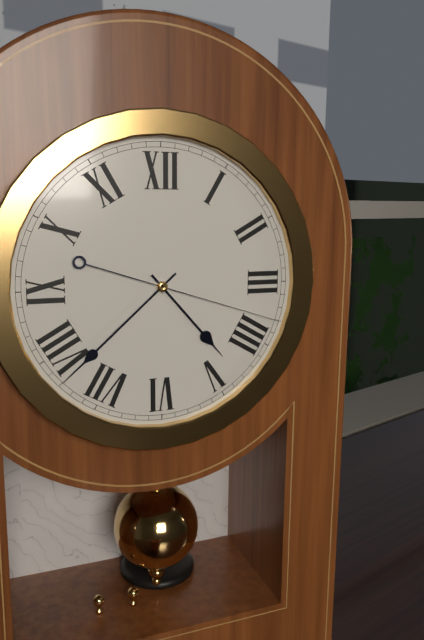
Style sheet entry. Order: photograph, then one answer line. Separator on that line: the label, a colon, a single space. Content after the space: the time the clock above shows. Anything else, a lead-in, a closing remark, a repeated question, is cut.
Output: 4:38:18
